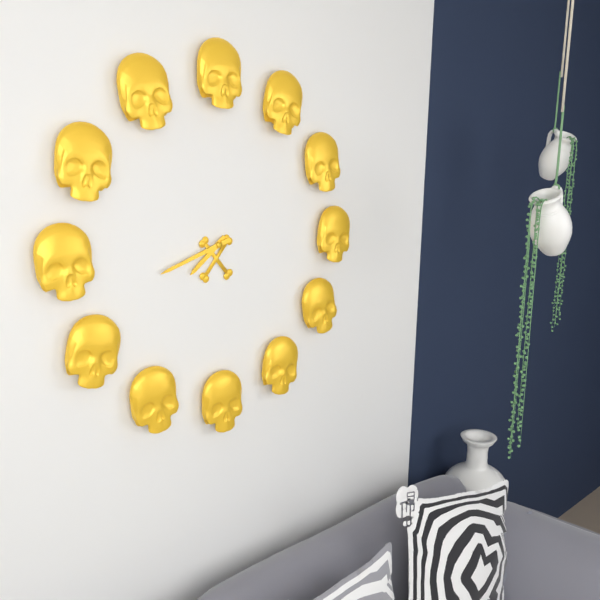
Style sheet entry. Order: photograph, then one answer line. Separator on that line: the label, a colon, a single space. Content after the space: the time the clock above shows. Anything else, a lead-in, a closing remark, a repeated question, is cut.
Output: 7:42
